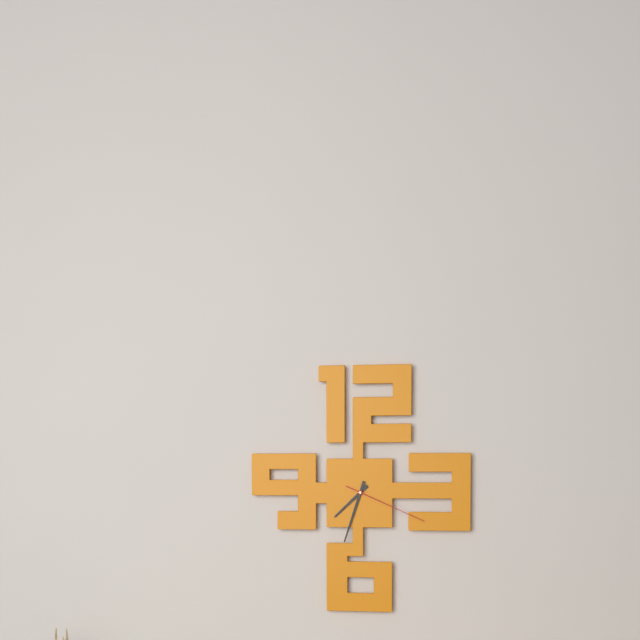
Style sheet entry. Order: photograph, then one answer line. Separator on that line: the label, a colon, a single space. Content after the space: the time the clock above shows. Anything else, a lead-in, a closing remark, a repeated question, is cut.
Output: 7:33:19
